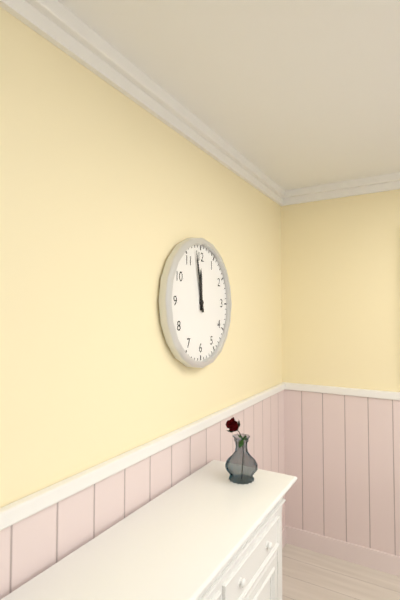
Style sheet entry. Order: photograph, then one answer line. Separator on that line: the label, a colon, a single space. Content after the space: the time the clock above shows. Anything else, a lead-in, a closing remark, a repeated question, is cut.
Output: 11:58
